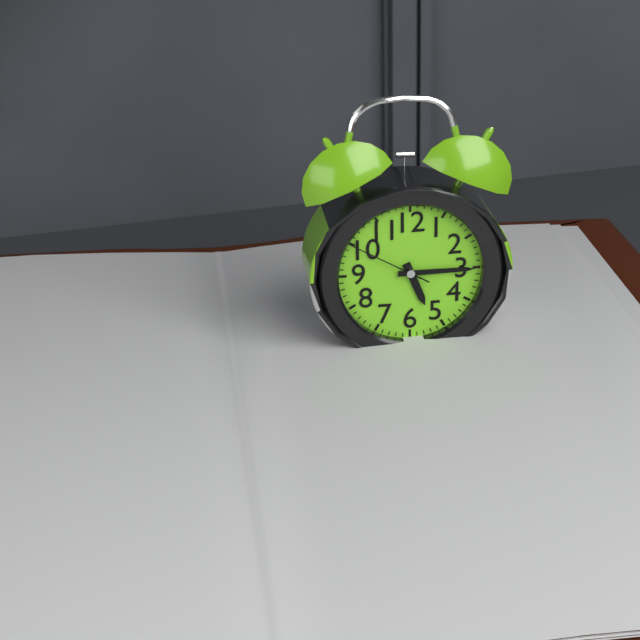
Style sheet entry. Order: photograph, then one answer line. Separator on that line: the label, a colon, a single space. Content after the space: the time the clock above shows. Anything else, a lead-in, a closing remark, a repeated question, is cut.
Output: 5:15:50
